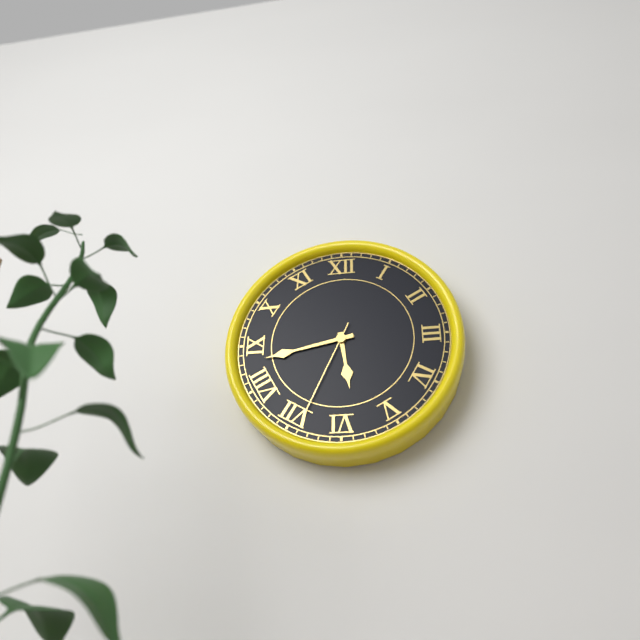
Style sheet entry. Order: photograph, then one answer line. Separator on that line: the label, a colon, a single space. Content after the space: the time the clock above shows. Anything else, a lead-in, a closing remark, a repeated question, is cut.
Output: 5:43:34
